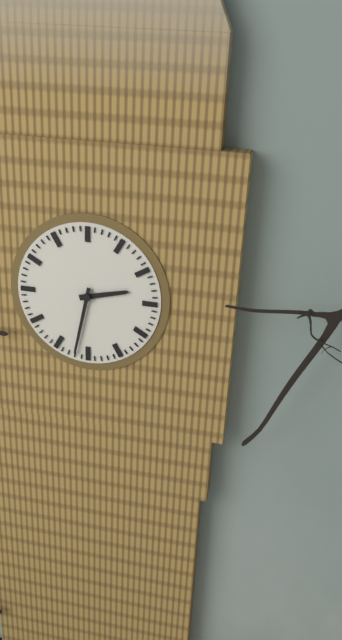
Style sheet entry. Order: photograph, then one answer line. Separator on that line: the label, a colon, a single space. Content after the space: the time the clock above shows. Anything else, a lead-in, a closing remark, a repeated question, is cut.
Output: 2:32
